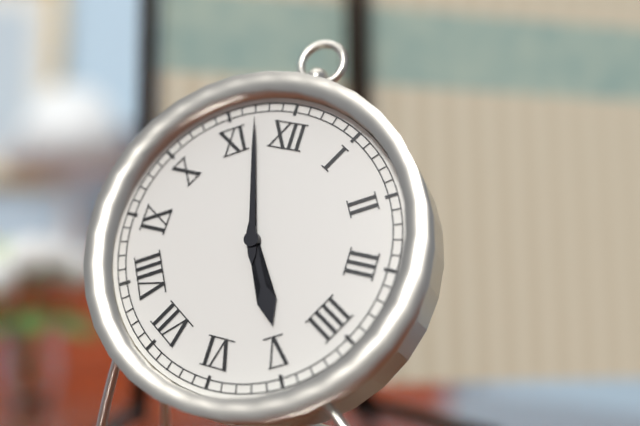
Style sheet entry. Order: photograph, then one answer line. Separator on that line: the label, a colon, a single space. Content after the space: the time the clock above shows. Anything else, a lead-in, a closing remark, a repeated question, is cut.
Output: 4:57
